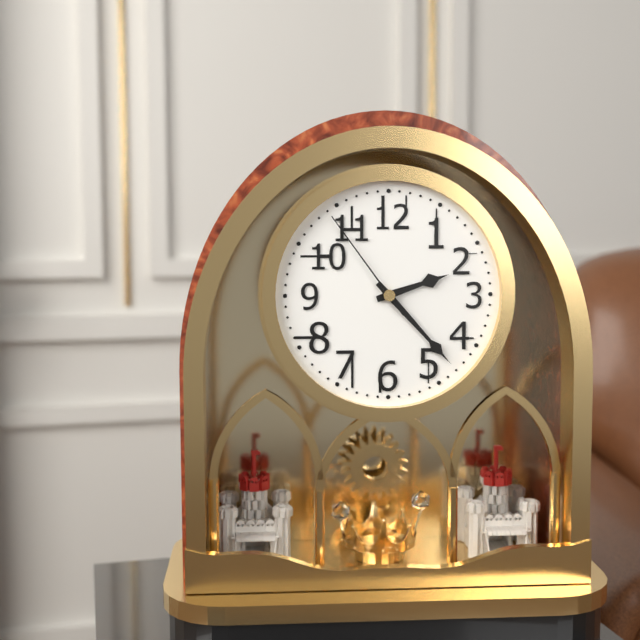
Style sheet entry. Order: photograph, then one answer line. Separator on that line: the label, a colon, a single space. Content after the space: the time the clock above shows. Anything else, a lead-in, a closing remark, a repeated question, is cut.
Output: 2:23:54
